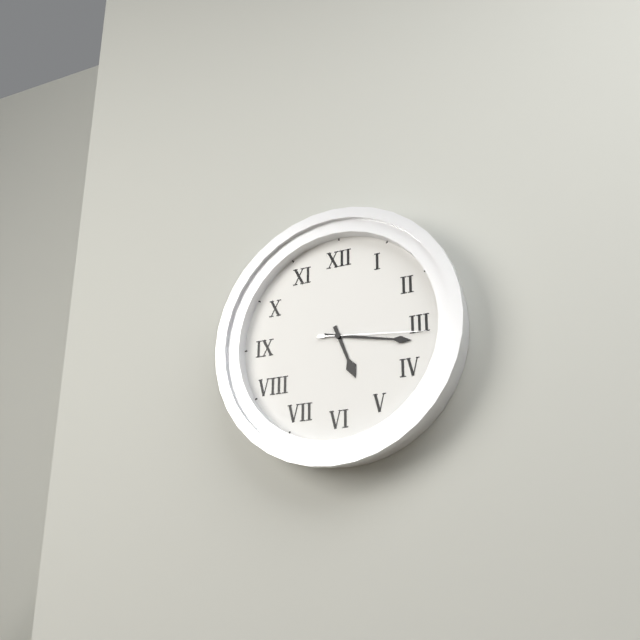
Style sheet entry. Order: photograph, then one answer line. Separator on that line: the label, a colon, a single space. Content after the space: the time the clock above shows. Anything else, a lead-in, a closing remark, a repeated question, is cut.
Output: 5:17:16
